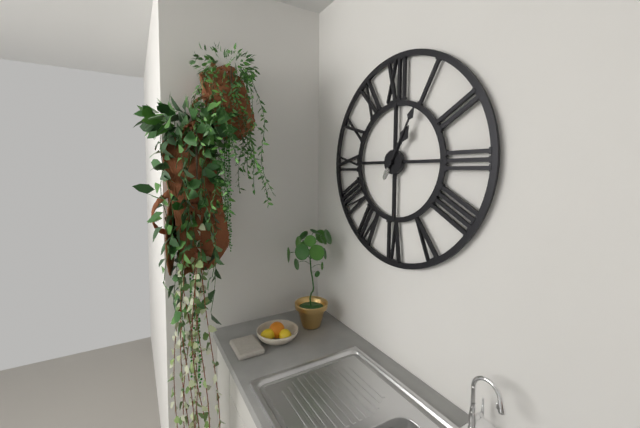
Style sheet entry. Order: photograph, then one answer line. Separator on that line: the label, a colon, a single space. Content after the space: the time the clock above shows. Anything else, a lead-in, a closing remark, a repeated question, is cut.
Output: 1:05
